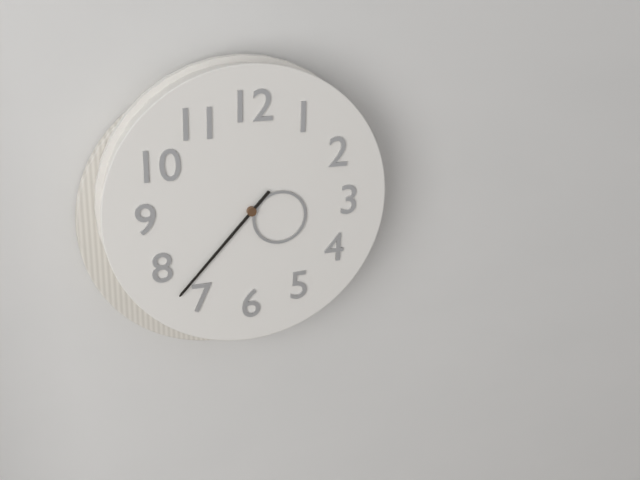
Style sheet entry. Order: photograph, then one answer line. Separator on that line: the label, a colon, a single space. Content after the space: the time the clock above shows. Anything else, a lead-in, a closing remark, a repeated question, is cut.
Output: 3:37
